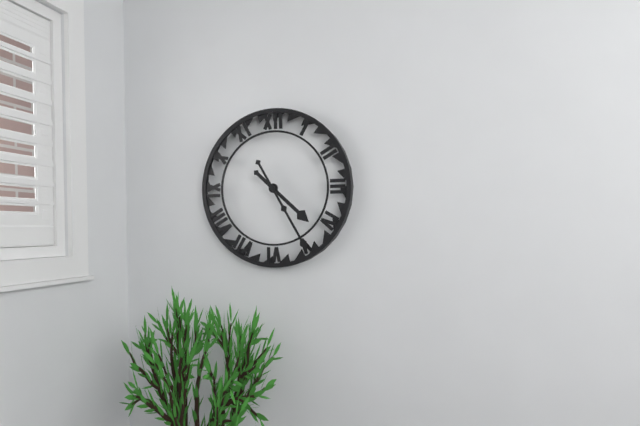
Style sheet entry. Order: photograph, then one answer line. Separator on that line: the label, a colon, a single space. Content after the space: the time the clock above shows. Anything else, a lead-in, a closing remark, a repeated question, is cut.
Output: 4:25
